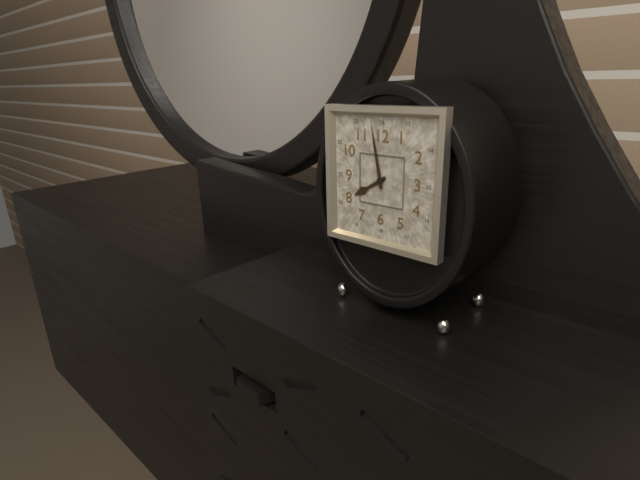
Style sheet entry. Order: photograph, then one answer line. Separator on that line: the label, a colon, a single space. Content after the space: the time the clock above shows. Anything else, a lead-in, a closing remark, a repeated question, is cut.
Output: 7:58
